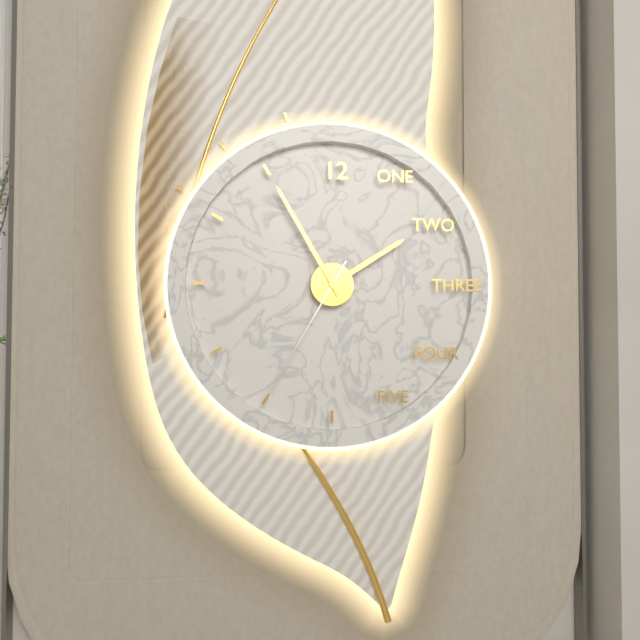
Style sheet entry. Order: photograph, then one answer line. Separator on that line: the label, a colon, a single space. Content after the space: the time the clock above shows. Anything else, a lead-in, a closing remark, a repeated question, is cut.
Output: 1:55:35
